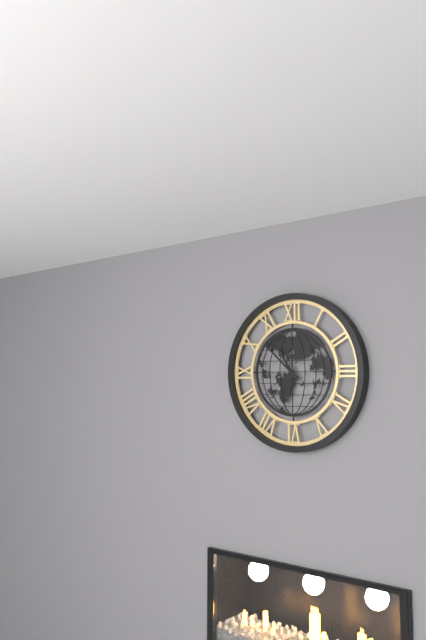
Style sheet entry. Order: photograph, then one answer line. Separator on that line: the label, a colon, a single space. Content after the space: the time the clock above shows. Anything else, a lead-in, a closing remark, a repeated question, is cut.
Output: 10:52
